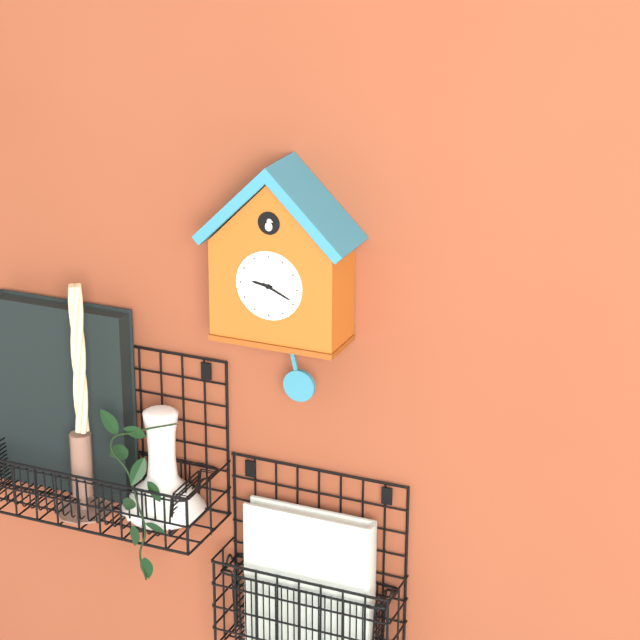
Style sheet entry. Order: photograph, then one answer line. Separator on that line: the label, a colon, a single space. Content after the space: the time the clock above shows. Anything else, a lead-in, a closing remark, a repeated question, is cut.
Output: 9:19
